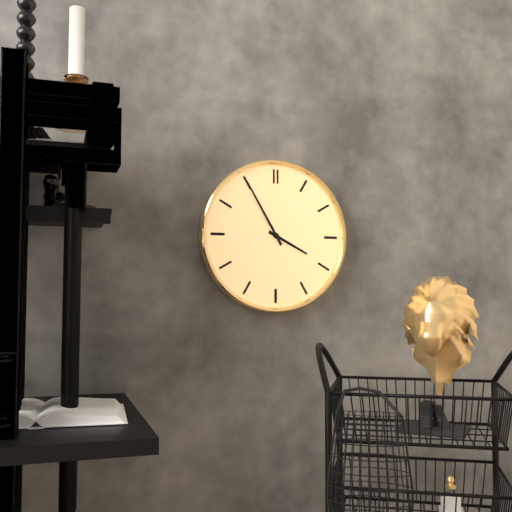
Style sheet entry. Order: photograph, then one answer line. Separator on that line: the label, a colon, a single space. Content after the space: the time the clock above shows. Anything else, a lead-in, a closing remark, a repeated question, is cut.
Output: 3:55
